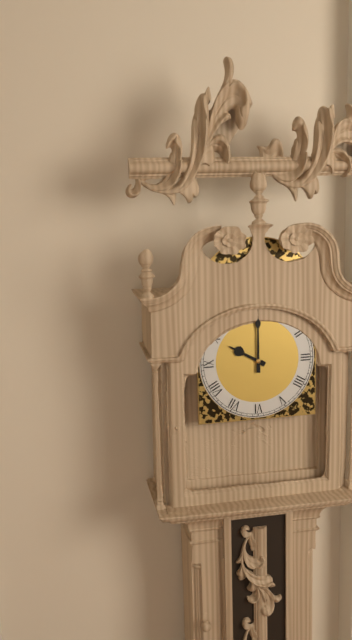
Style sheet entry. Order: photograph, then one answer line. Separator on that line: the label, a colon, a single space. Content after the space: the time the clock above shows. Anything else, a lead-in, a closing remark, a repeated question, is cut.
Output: 10:00
